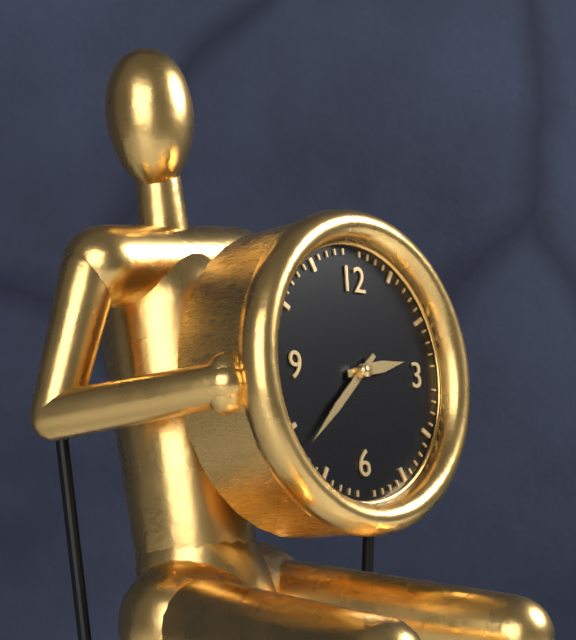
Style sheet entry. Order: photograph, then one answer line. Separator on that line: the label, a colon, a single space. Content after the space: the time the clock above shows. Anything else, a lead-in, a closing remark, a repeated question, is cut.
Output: 2:38
